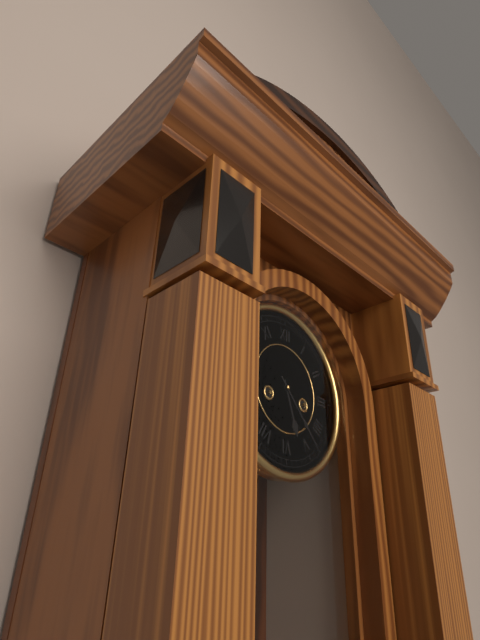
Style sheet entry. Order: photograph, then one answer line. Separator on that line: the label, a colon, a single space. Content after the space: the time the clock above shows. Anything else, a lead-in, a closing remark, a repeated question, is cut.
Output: 5:23
